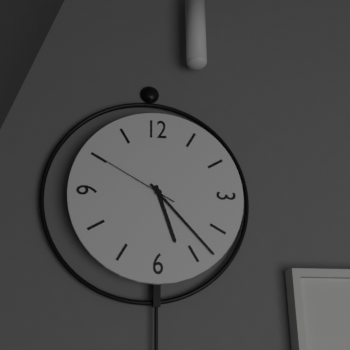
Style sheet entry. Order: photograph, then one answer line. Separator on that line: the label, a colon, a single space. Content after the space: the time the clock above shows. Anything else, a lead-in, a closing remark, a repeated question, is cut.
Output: 5:23:50
